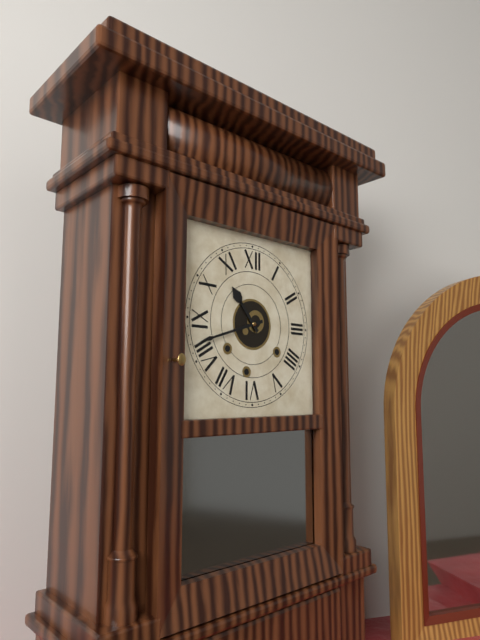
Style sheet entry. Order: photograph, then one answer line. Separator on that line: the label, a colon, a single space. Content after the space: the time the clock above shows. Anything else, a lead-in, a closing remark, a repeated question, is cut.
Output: 10:42
